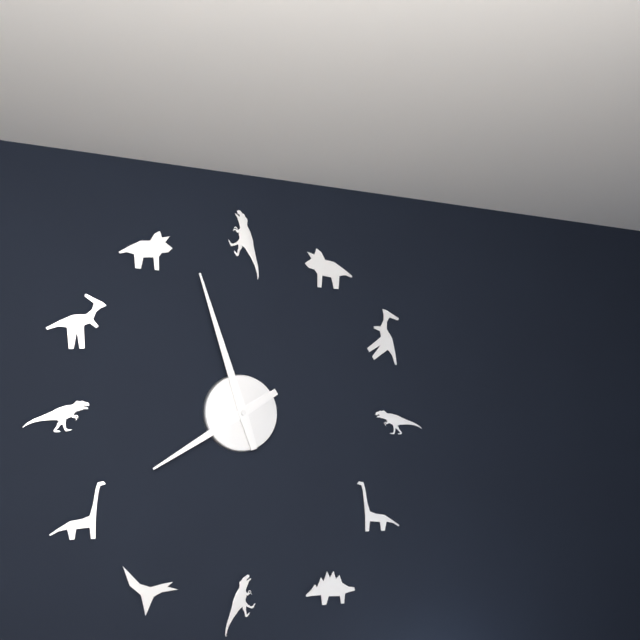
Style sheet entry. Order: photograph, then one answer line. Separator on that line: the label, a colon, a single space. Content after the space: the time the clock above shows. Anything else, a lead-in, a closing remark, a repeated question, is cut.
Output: 7:57
